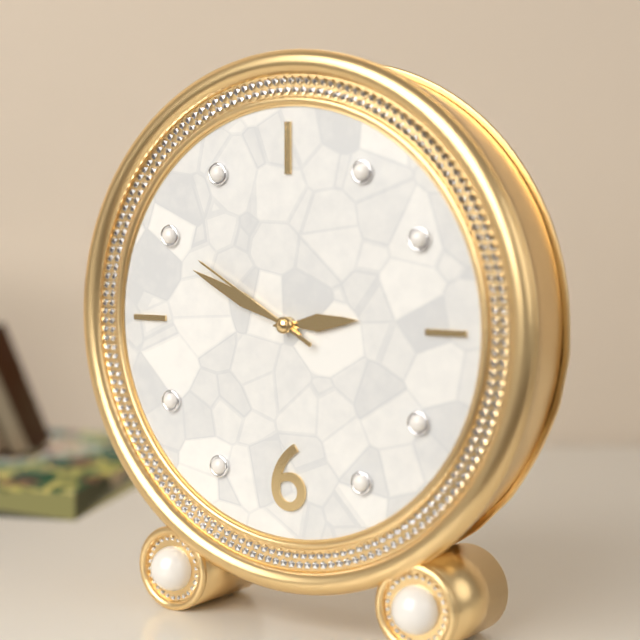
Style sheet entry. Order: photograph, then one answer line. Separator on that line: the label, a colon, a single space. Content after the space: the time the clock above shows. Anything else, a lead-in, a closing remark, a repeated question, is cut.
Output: 2:49:50
